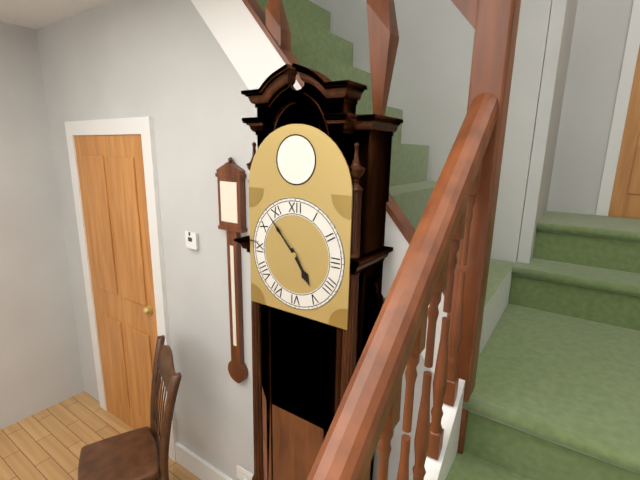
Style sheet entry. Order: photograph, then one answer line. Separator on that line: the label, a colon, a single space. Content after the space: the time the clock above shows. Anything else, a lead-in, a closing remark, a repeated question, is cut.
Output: 4:53
